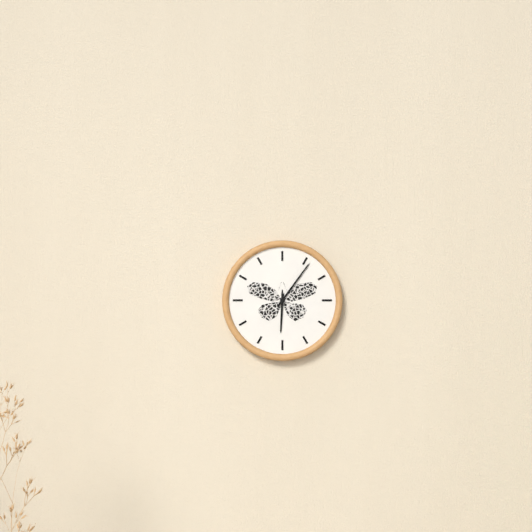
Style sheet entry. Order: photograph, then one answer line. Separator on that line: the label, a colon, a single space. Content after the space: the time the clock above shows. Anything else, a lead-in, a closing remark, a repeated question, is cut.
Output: 6:06
